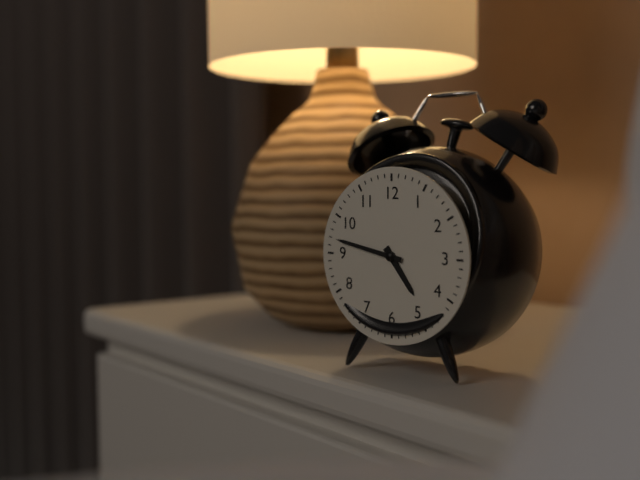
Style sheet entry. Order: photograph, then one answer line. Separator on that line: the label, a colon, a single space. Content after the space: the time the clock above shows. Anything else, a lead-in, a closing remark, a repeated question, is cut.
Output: 4:47
